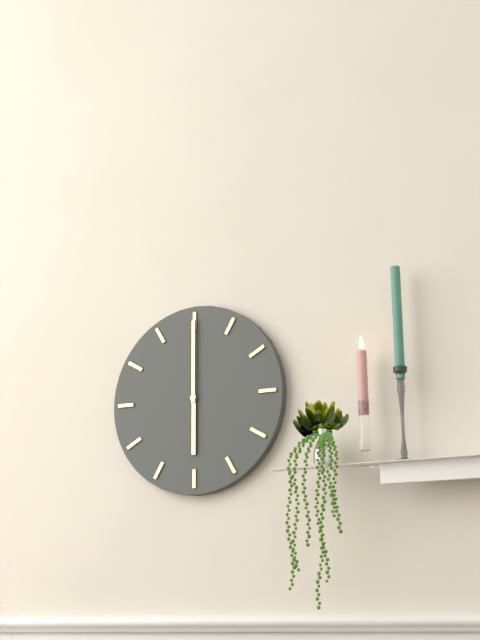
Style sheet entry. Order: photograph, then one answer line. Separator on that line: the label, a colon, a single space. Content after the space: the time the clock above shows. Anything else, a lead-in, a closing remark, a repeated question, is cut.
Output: 6:00
